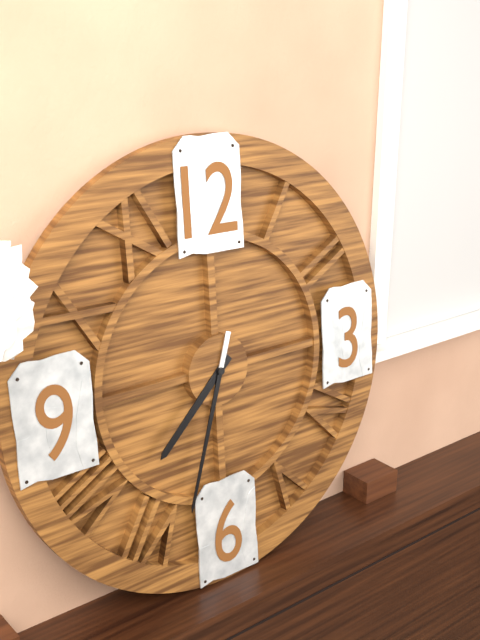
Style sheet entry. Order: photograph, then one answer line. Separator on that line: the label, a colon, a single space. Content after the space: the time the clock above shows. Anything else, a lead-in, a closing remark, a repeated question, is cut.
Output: 7:33
